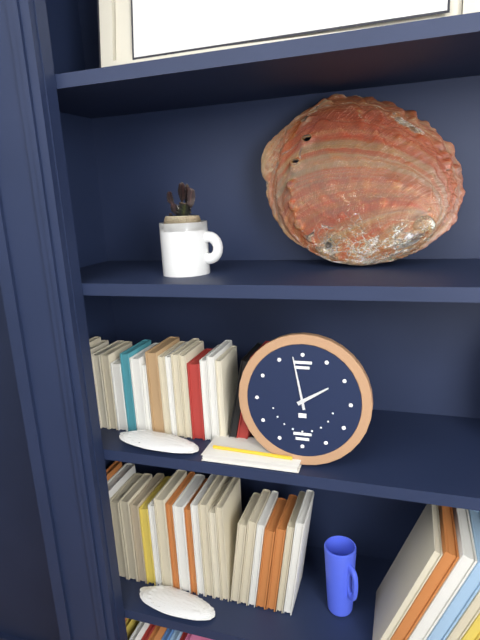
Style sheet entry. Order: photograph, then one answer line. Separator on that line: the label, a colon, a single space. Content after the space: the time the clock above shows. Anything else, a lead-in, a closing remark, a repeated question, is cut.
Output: 1:58
